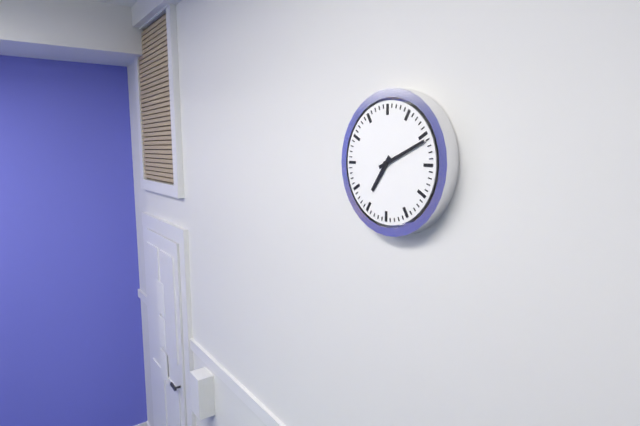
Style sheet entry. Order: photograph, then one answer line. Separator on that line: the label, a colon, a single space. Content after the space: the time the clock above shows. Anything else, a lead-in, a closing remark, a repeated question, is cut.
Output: 7:11
